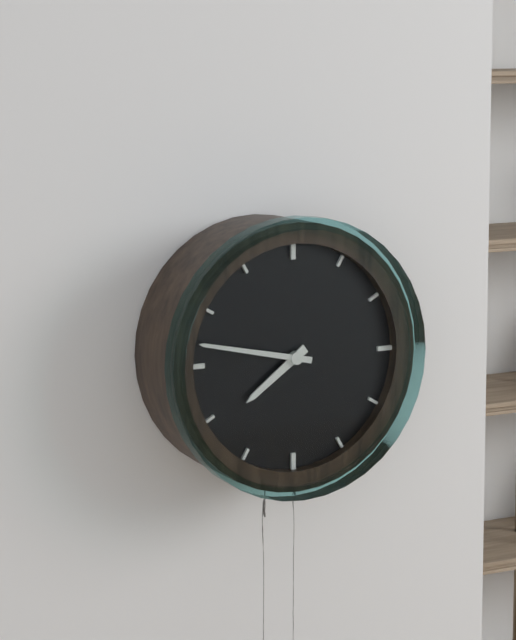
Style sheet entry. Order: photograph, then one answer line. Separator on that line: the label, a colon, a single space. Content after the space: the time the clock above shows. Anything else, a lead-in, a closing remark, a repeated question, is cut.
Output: 7:47
